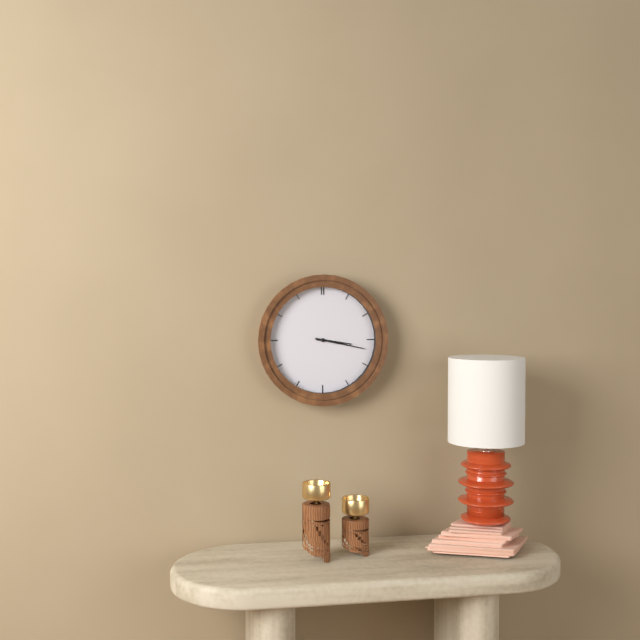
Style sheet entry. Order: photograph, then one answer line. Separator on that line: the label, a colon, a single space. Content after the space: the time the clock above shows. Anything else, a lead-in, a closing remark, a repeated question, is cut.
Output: 3:17
